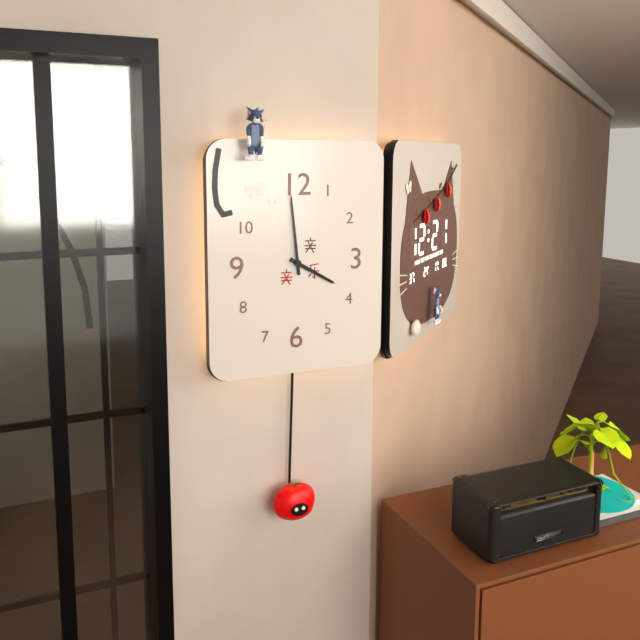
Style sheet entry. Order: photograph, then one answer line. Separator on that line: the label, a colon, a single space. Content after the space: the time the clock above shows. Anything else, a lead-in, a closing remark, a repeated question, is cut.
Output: 3:59
